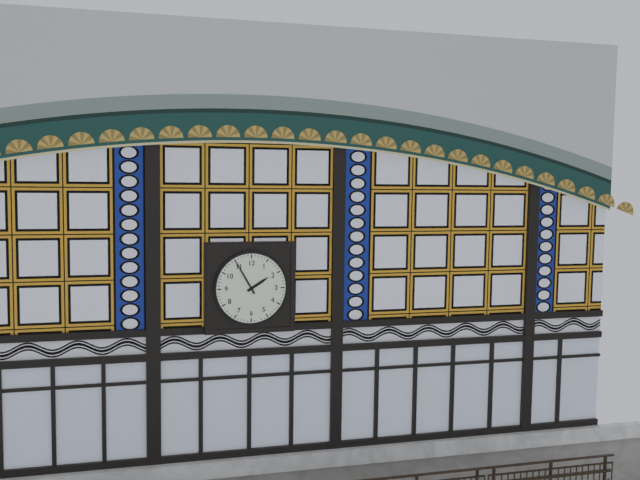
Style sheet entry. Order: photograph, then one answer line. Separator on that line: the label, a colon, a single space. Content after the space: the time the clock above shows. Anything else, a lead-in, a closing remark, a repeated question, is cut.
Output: 1:55
